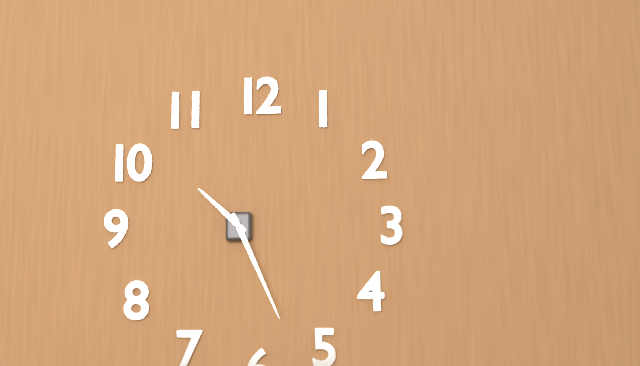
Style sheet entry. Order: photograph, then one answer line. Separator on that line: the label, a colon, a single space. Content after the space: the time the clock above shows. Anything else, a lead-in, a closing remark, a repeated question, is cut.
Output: 10:26
